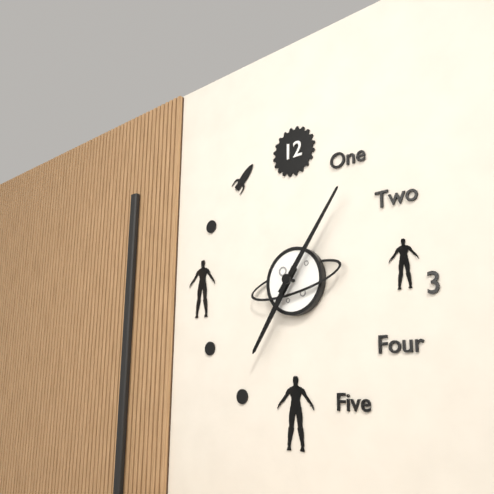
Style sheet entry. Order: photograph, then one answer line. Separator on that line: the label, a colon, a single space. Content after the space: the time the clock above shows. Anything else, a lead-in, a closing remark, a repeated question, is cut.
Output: 7:06
